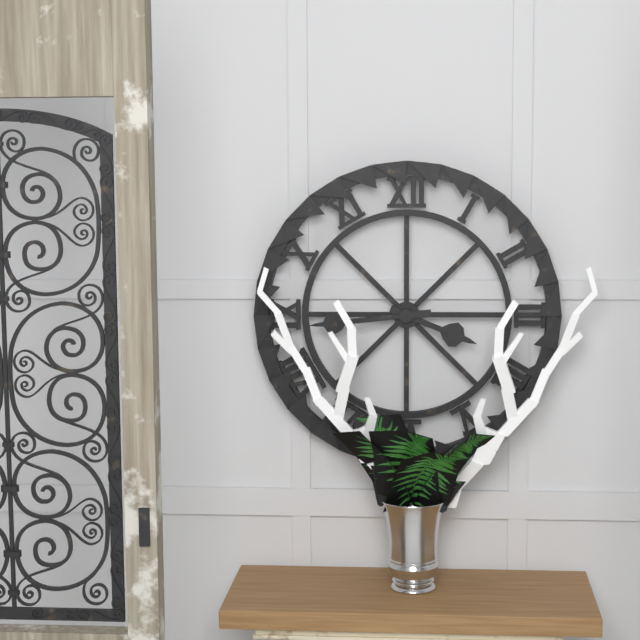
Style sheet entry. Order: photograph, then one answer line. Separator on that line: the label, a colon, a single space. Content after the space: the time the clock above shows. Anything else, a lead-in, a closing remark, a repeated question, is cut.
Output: 3:44
